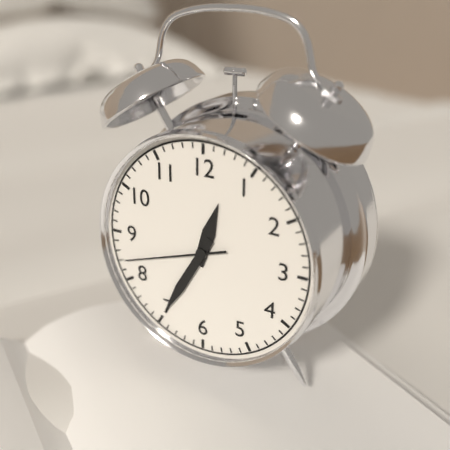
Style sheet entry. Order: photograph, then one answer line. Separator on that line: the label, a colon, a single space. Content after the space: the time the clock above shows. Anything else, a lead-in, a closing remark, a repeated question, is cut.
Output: 12:35:42
